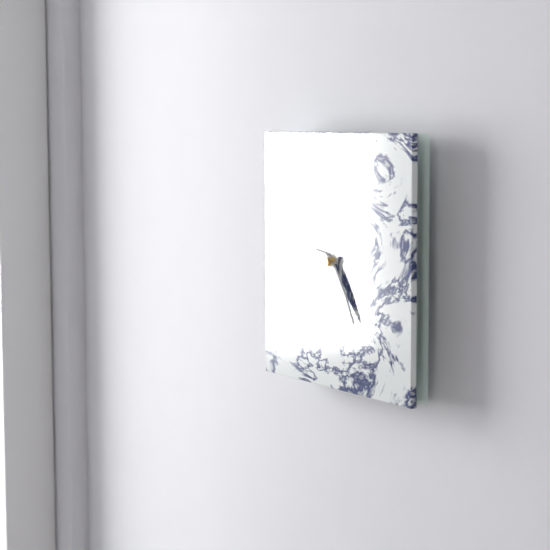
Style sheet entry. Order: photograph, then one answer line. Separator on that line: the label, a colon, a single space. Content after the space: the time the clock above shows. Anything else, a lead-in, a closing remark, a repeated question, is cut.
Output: 9:24
